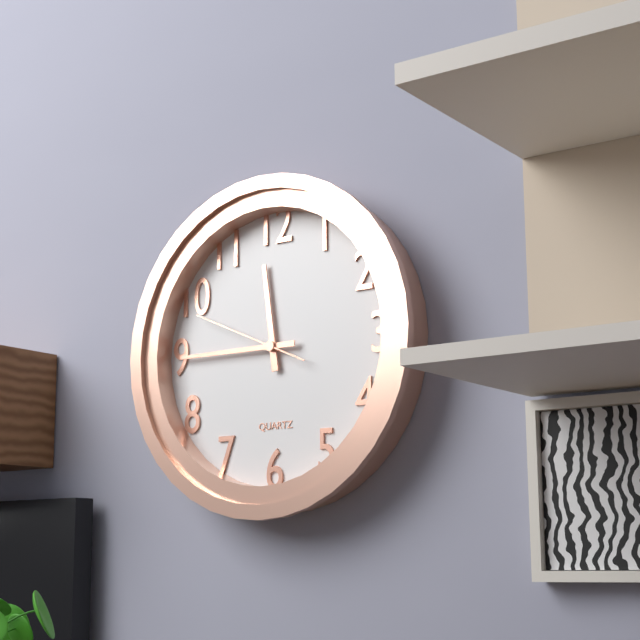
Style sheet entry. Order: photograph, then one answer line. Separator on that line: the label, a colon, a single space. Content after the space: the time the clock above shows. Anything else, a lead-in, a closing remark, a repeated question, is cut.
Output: 11:45:49
